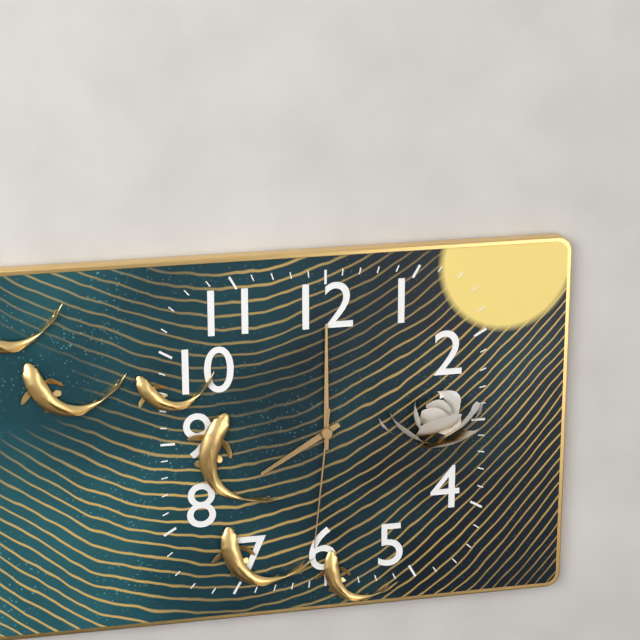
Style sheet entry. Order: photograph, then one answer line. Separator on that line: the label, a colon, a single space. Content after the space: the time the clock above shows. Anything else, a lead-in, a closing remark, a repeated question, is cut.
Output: 8:00:31
